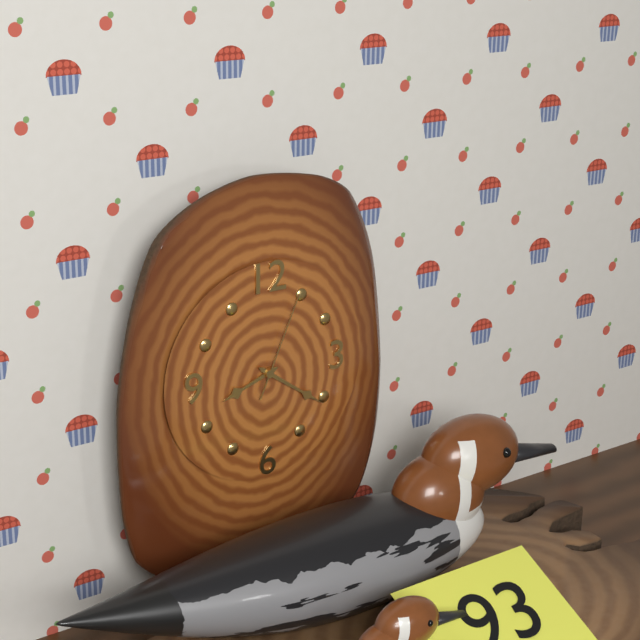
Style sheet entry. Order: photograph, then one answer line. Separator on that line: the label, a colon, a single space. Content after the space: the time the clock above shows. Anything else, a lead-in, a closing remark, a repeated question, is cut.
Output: 8:21:04
